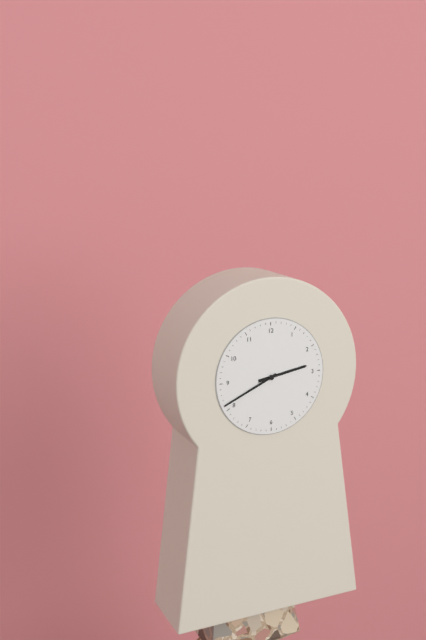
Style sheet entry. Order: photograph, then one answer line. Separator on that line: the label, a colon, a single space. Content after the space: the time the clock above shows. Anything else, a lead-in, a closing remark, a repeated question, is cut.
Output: 2:41
